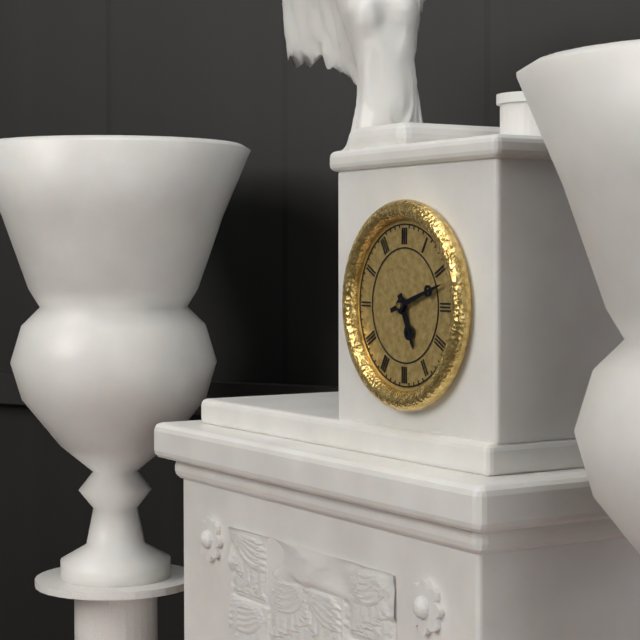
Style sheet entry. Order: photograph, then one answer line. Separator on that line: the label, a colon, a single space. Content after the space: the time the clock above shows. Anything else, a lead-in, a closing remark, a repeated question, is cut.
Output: 5:12
